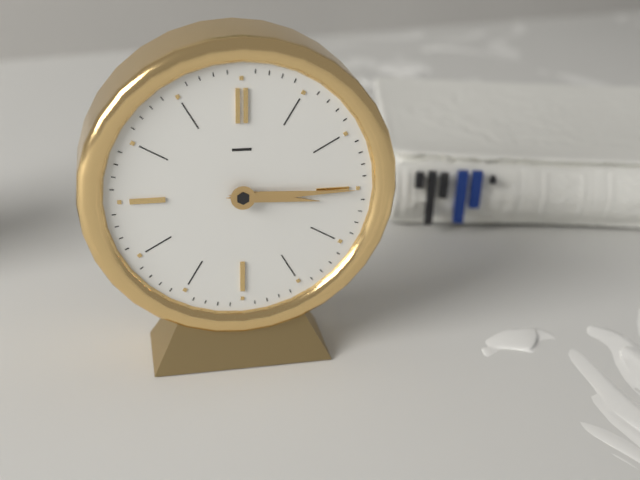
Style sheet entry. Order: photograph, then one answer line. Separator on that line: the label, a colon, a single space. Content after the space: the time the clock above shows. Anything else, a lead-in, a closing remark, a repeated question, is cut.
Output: 3:15
